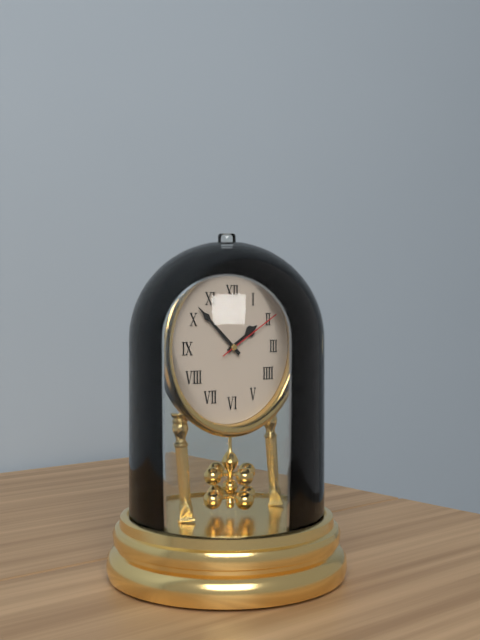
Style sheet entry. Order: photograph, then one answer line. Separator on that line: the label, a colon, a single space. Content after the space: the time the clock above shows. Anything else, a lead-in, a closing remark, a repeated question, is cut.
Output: 1:52:10
